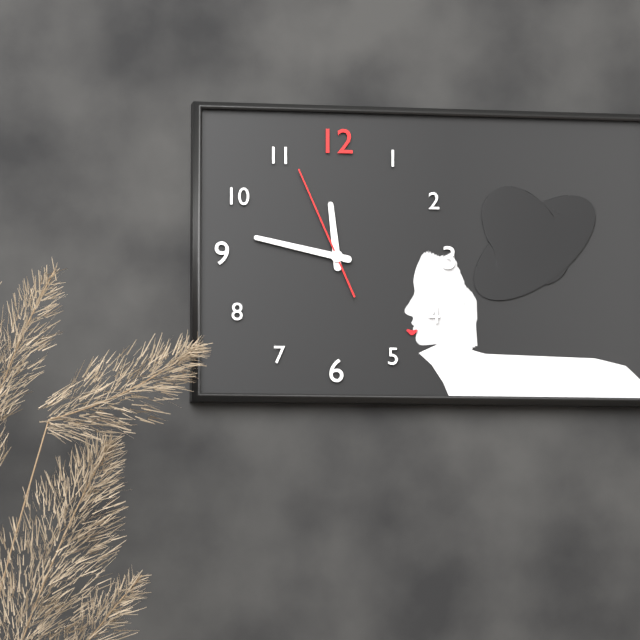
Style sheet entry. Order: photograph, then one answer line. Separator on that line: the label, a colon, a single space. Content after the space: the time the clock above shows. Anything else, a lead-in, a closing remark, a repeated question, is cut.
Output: 11:47:56
